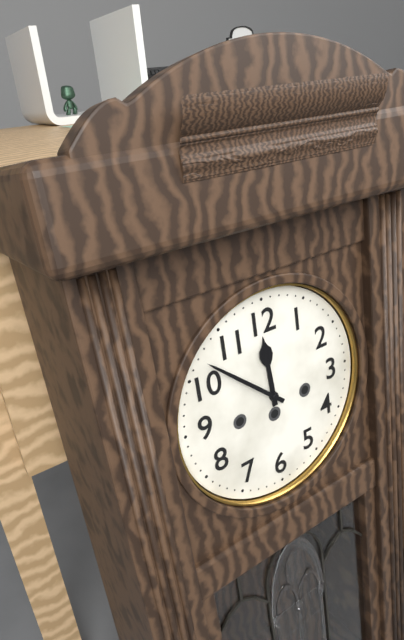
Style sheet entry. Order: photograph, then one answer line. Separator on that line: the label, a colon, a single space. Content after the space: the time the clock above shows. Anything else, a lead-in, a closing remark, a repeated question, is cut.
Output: 11:52
